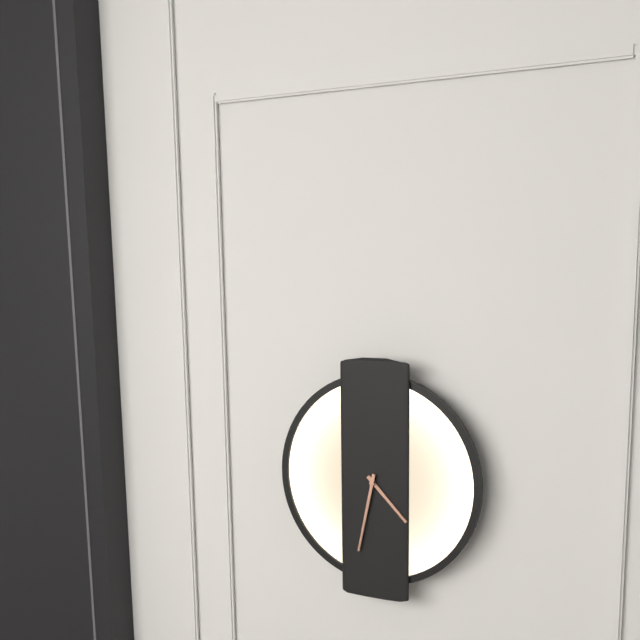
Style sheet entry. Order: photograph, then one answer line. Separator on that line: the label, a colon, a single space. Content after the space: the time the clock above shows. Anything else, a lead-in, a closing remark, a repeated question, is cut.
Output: 4:32
